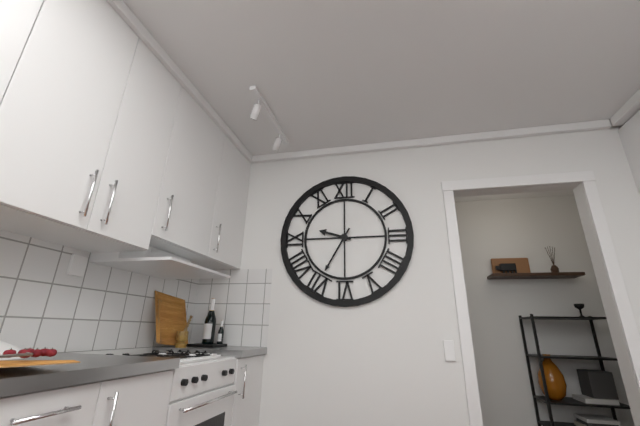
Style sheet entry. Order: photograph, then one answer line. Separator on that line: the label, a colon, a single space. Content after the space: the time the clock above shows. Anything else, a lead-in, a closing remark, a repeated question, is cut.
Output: 9:35
